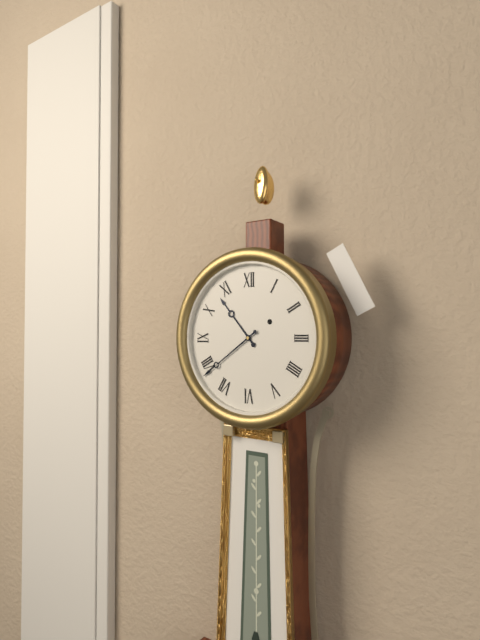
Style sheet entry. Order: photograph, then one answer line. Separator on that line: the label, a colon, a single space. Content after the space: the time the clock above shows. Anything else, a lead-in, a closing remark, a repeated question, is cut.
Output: 10:39
